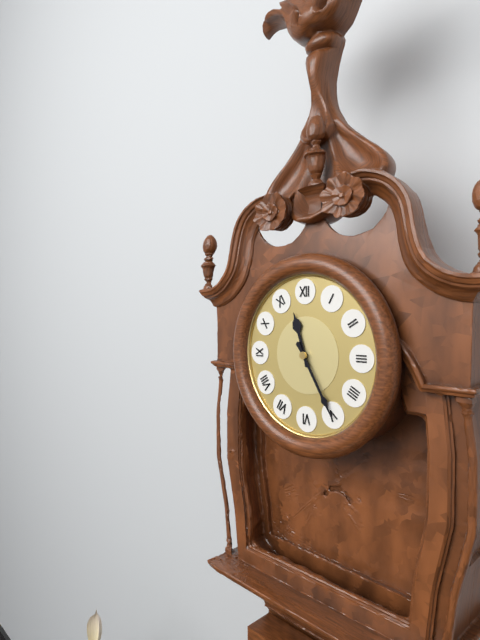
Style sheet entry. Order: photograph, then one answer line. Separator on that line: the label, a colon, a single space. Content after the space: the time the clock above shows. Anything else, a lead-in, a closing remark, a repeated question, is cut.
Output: 11:25
